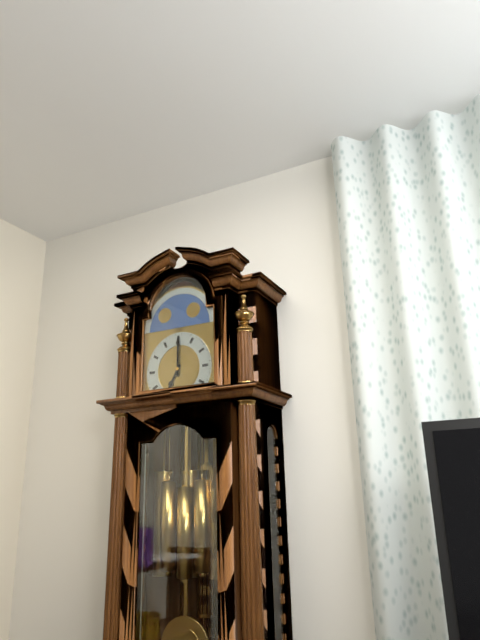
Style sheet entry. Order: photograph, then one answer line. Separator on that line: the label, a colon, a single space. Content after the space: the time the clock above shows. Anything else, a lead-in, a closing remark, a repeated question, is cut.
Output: 7:00
